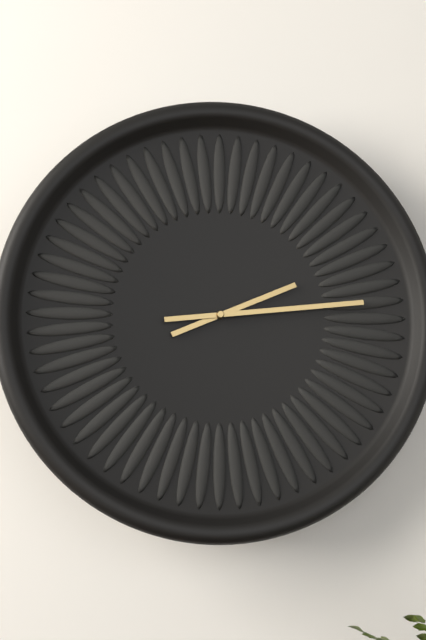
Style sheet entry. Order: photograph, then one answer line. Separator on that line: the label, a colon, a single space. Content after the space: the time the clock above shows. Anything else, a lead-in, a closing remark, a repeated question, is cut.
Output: 2:14
